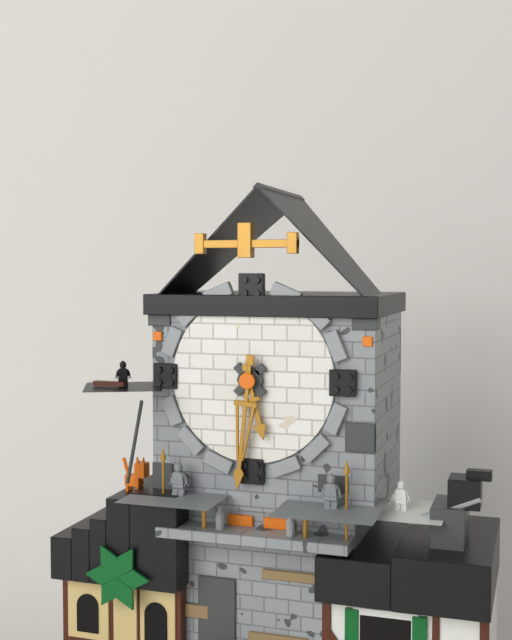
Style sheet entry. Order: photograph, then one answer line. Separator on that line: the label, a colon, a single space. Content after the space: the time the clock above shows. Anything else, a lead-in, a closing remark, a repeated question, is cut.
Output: 5:31
